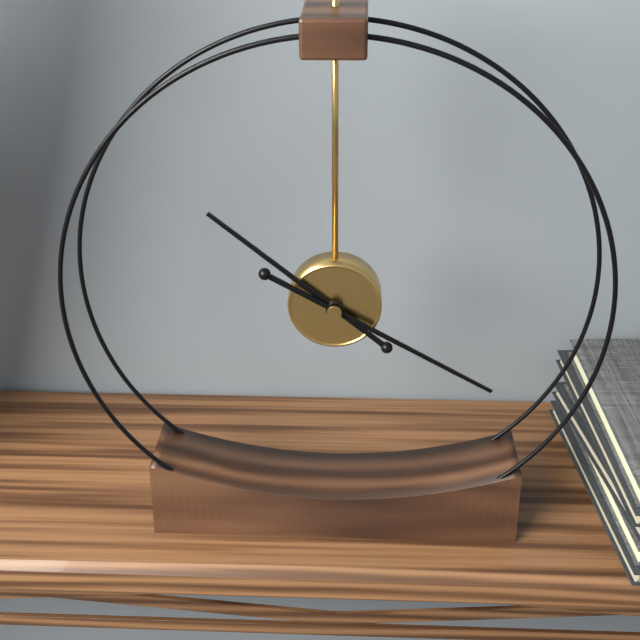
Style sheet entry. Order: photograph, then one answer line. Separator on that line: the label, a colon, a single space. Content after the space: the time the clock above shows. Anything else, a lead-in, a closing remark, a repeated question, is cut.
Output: 10:20
